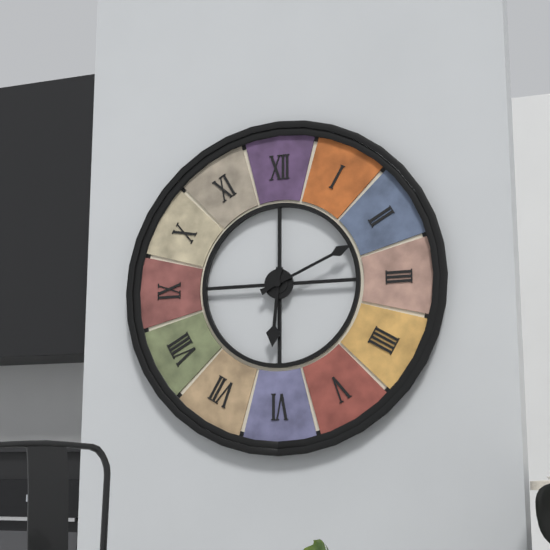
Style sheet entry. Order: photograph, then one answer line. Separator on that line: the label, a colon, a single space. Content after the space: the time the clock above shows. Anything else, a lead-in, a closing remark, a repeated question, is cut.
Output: 6:11
